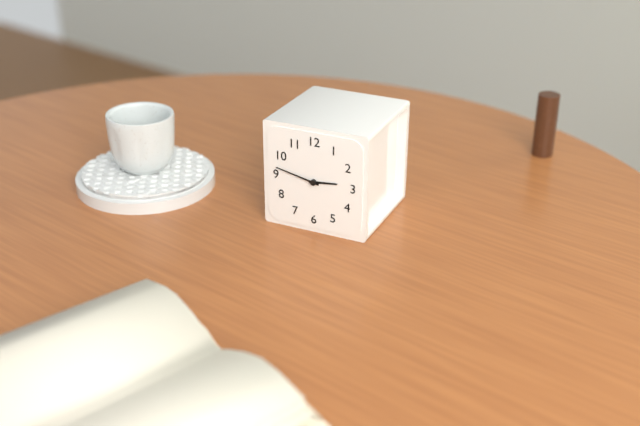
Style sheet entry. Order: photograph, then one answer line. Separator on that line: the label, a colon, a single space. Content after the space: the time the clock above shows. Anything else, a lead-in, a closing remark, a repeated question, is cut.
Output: 2:47
